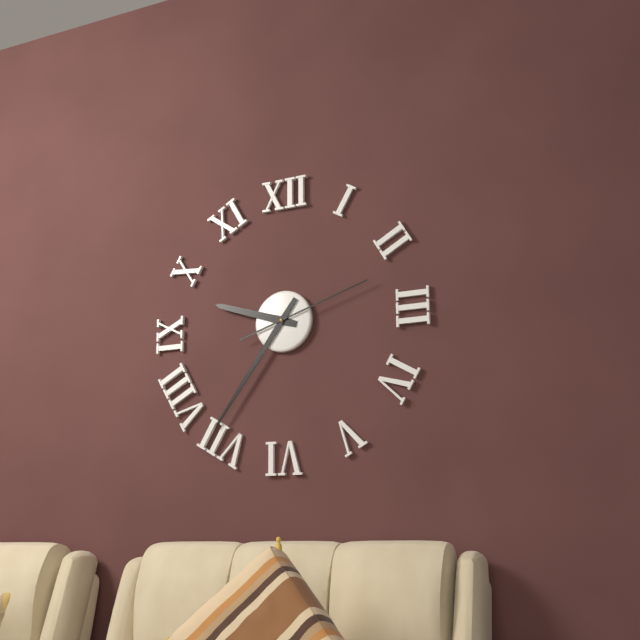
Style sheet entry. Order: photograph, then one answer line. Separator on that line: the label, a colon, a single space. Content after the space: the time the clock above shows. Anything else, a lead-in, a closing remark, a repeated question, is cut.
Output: 9:36:12
